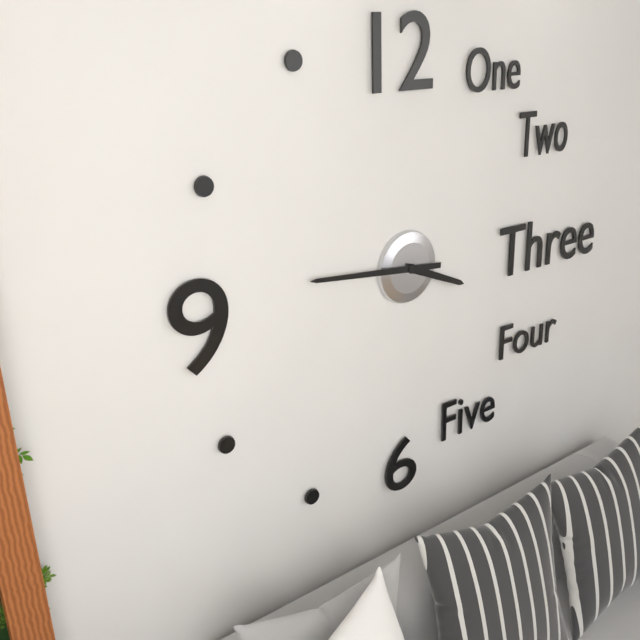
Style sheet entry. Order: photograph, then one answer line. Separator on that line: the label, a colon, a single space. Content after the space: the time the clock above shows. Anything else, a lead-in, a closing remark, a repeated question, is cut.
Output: 3:46
